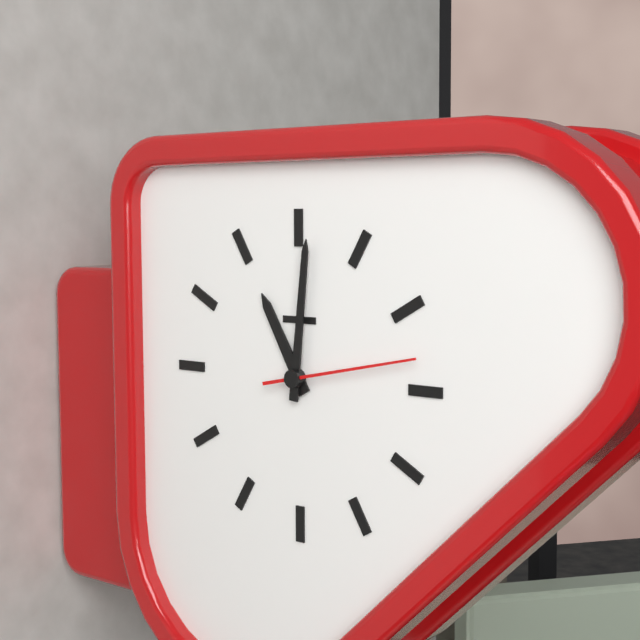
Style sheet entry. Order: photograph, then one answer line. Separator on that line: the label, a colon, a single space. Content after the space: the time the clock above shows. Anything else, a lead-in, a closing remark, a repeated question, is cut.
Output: 11:01:13
